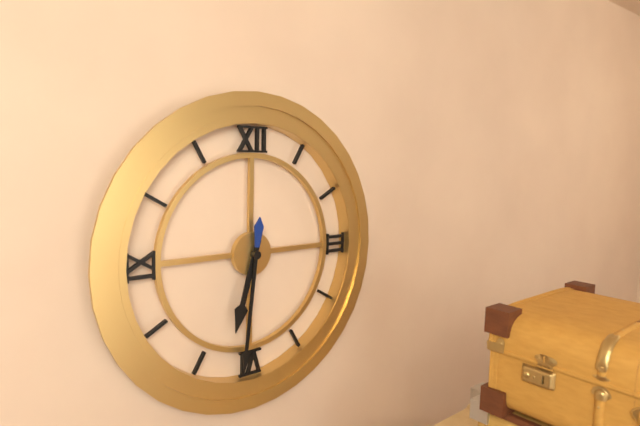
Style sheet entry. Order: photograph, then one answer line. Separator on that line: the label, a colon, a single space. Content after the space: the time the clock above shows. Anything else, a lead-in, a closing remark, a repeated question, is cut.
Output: 6:31
